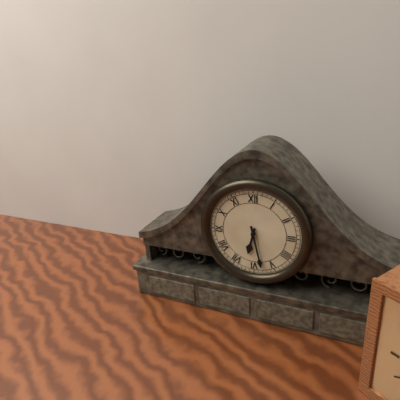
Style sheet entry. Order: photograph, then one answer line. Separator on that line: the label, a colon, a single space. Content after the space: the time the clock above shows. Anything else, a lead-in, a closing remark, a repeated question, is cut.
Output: 6:28
